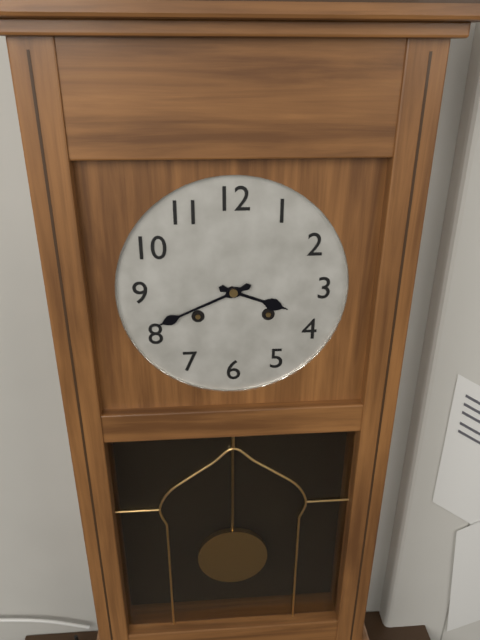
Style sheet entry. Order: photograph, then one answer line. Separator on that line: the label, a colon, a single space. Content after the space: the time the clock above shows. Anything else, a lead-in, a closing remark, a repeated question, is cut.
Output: 3:41
